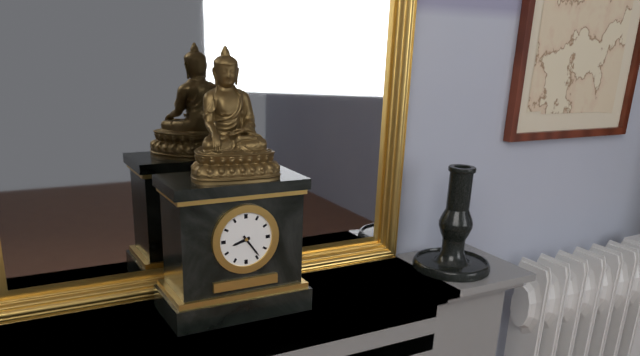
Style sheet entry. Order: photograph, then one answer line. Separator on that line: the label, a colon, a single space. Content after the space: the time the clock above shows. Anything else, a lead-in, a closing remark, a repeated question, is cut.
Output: 8:24
